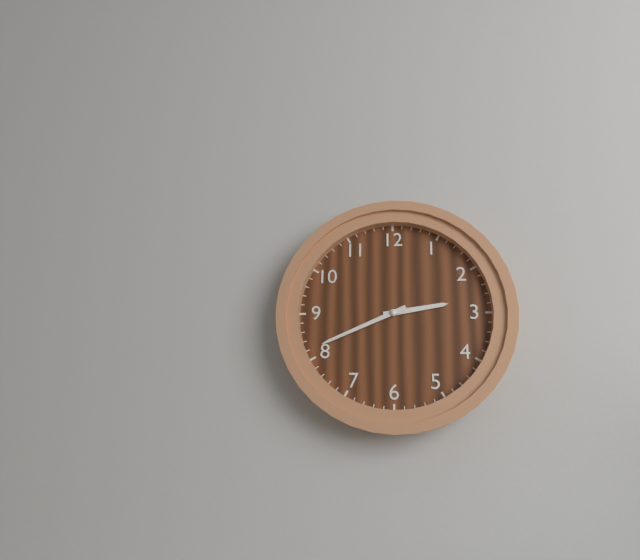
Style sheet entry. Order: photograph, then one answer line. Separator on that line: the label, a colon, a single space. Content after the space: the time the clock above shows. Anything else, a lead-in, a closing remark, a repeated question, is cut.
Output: 2:41
